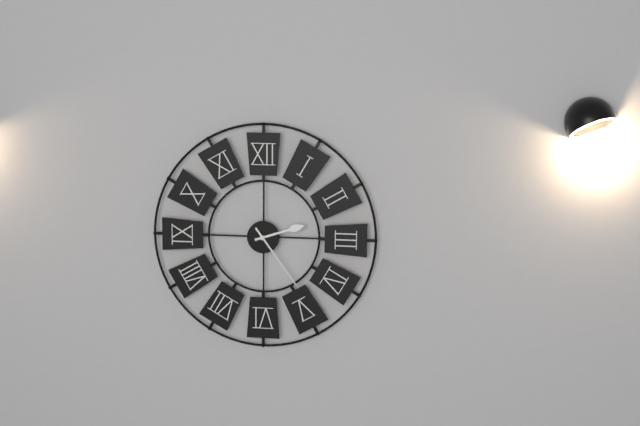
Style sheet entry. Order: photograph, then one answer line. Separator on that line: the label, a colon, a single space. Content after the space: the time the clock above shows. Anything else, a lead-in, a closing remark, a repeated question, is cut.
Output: 2:24
